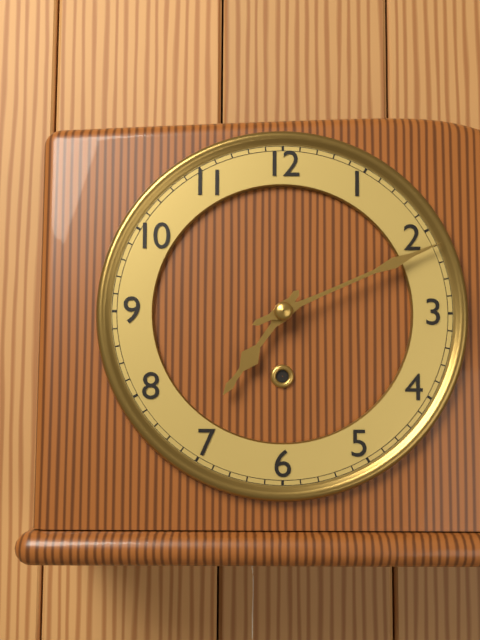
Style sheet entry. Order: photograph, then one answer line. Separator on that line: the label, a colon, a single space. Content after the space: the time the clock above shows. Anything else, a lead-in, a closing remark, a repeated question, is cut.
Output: 7:11
